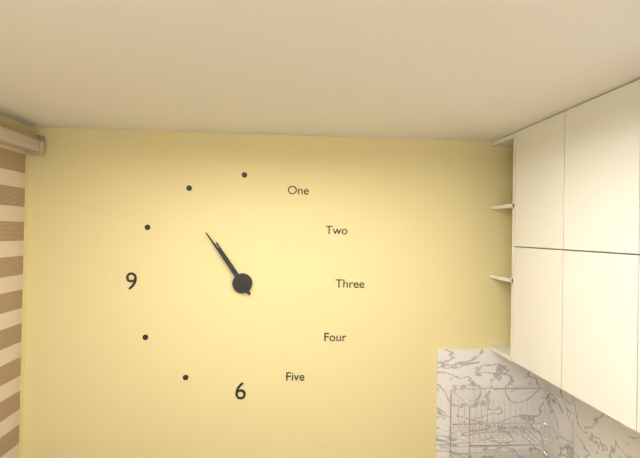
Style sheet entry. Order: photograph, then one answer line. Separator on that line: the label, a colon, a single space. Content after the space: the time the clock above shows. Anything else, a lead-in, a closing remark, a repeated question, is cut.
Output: 10:54
